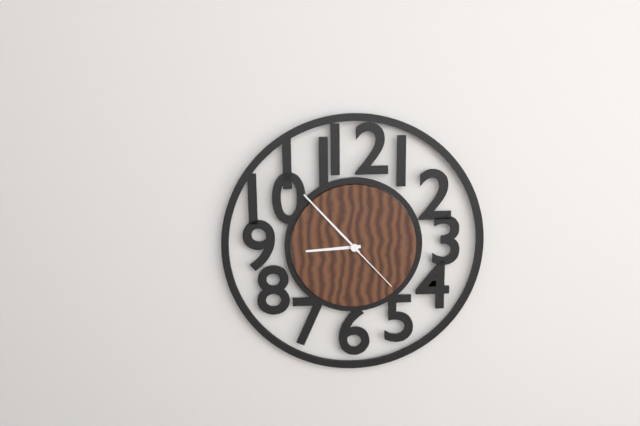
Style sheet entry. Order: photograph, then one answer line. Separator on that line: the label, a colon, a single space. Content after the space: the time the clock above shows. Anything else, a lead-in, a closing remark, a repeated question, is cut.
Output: 8:53:23
